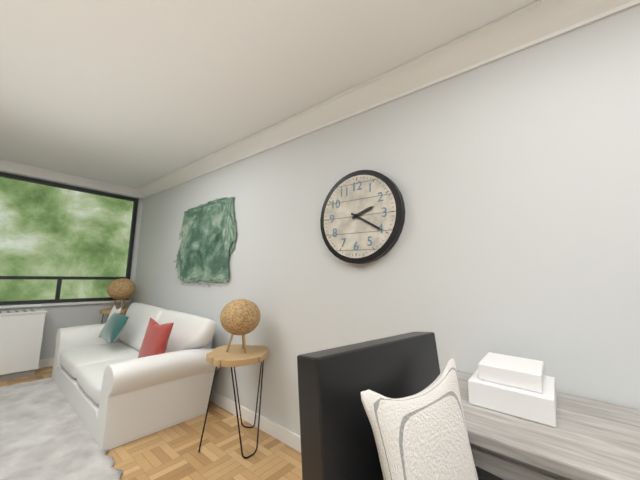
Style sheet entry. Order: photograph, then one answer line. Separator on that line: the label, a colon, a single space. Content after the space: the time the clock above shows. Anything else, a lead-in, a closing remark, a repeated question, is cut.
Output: 2:20
